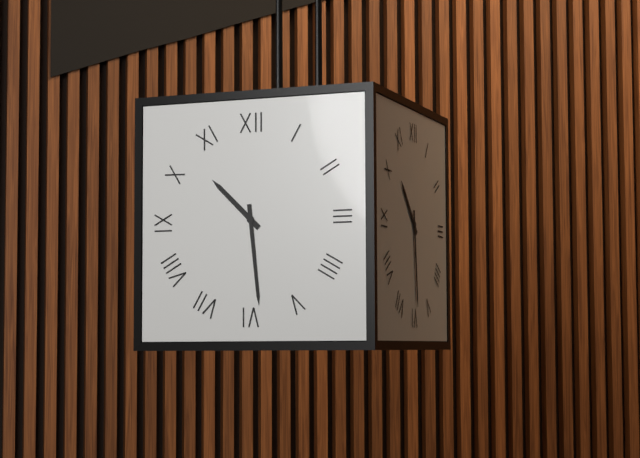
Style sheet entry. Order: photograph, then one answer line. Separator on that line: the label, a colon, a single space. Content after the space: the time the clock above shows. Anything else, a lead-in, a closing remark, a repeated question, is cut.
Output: 10:29
